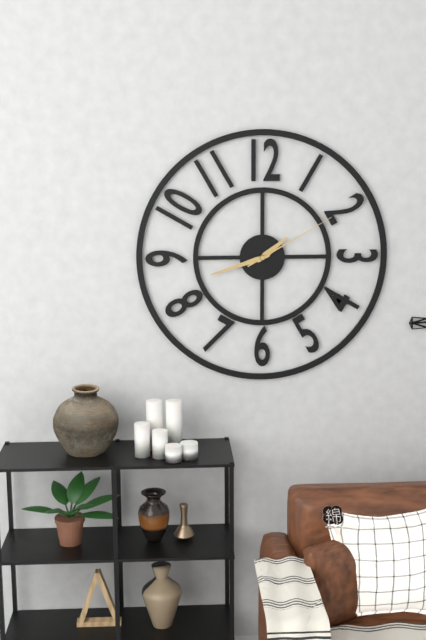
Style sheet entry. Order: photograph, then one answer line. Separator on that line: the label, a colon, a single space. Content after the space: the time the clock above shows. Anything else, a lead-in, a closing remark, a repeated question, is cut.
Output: 1:42:10
